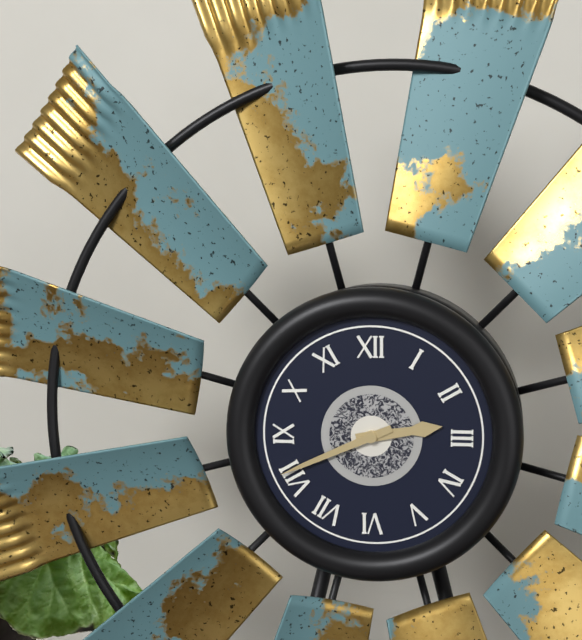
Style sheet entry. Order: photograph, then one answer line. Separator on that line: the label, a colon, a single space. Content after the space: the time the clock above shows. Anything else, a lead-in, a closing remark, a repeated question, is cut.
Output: 2:41
